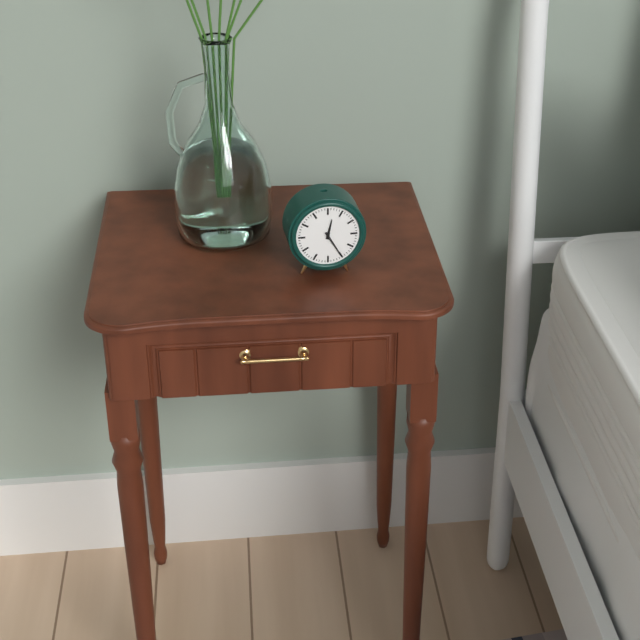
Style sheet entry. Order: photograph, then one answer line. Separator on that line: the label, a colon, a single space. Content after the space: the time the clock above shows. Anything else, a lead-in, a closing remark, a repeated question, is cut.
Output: 12:25
